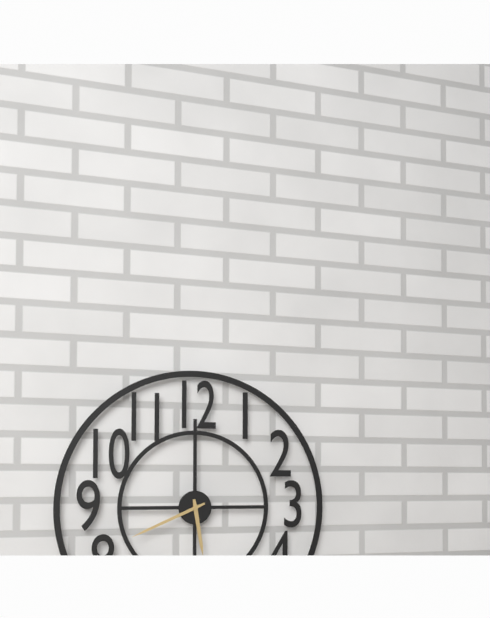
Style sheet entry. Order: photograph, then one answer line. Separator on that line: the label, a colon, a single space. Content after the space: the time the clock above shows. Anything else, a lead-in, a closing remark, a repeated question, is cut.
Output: 5:41
